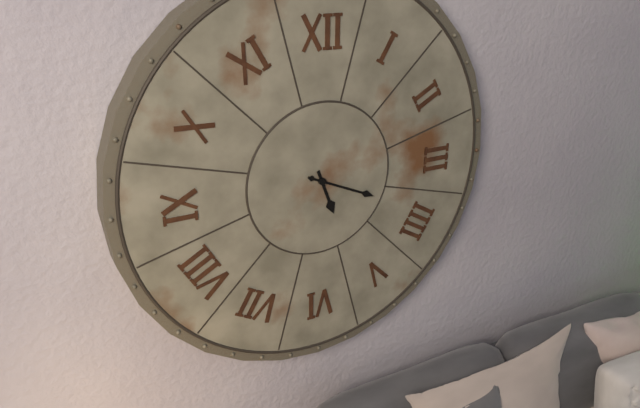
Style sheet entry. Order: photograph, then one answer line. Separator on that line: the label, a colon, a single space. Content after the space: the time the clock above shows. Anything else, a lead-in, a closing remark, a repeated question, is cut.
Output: 5:19
